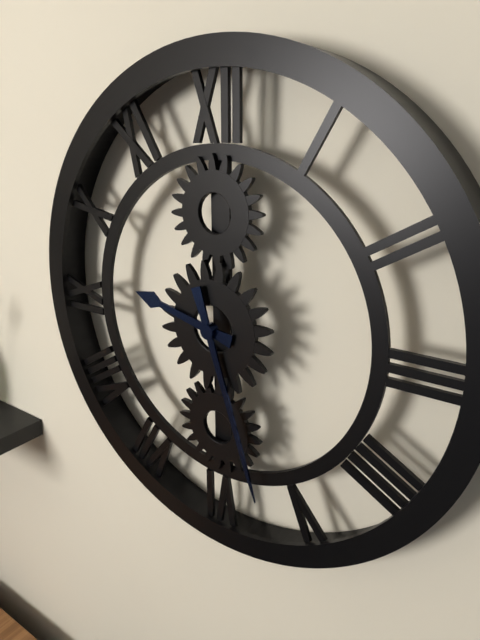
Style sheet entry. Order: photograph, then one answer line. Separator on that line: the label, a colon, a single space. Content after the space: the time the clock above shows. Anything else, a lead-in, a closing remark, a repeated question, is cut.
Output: 9:27
